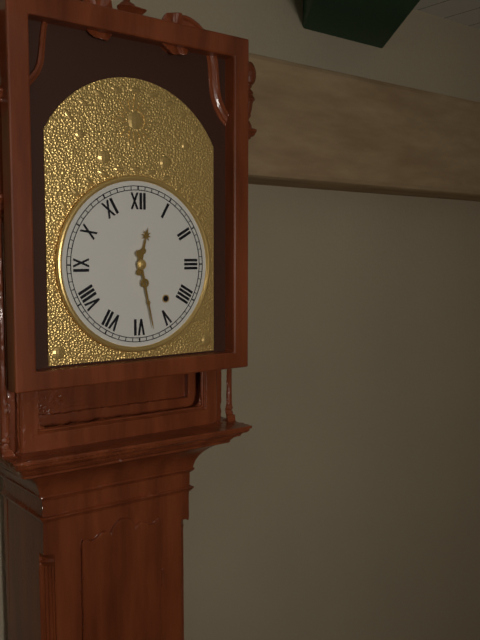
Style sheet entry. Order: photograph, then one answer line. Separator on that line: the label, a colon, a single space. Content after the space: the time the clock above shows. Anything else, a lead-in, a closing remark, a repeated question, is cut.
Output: 12:28
